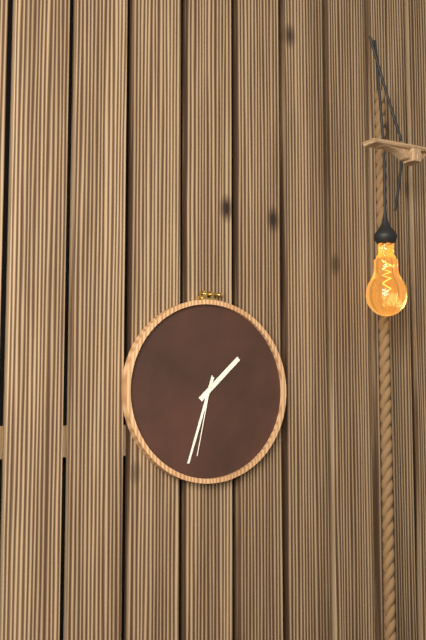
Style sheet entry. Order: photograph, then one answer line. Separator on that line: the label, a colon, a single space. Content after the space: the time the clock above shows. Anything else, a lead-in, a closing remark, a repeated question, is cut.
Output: 1:33:32
